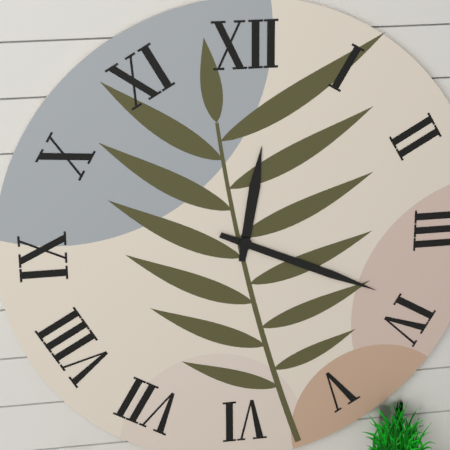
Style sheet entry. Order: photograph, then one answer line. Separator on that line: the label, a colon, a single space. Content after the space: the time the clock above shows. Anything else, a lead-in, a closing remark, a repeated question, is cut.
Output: 12:19
